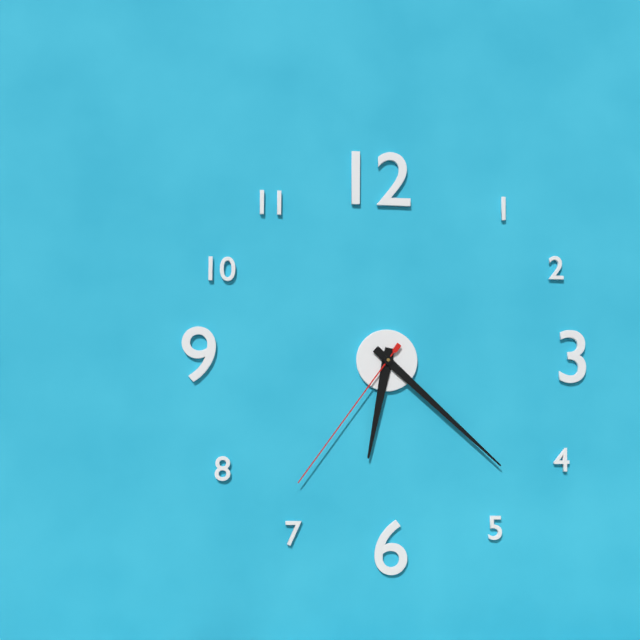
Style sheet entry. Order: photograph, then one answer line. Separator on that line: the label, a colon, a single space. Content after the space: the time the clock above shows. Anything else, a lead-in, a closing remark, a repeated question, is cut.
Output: 6:22:36
